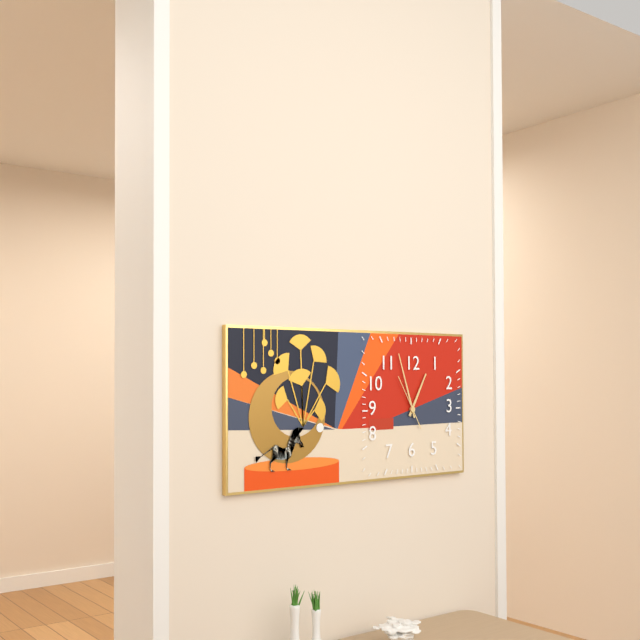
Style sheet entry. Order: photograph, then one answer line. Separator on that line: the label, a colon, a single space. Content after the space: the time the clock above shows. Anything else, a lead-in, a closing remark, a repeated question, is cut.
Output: 12:57
